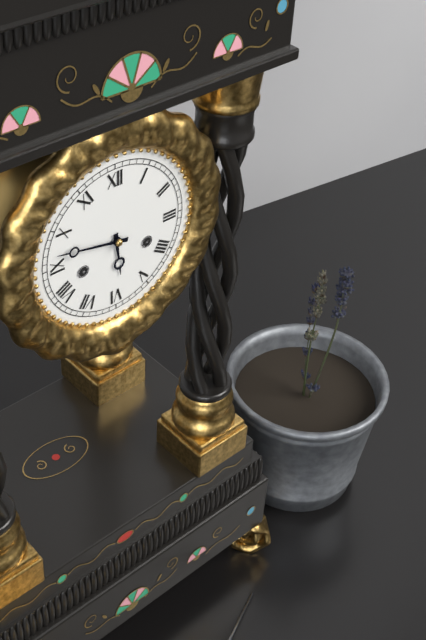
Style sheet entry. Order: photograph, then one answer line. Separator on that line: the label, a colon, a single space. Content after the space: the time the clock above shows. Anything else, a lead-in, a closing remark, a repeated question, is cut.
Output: 5:47
